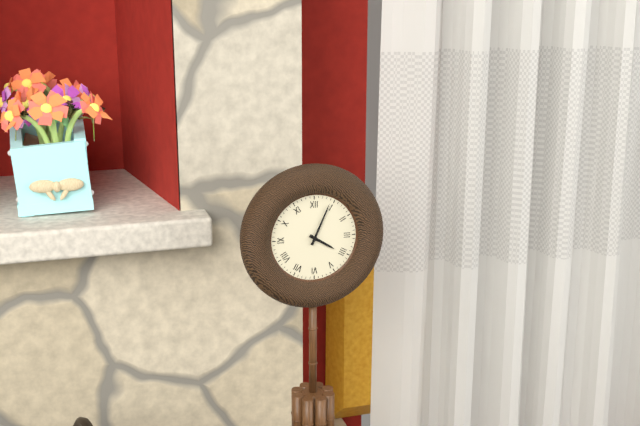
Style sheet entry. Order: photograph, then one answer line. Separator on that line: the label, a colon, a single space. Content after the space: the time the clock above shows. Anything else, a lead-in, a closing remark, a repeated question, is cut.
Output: 4:04
